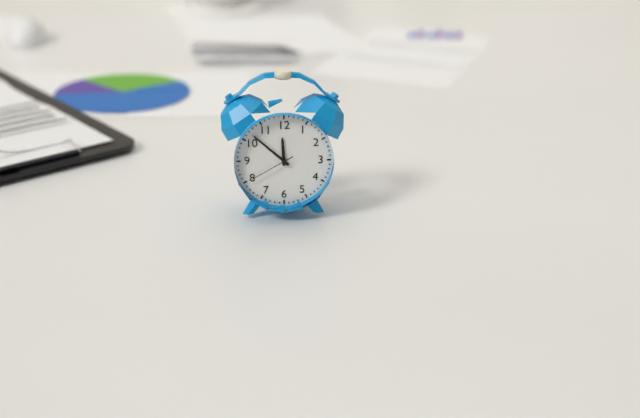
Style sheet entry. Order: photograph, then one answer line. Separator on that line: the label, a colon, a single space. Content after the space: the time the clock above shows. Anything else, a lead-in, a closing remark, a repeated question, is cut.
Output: 11:52:40
